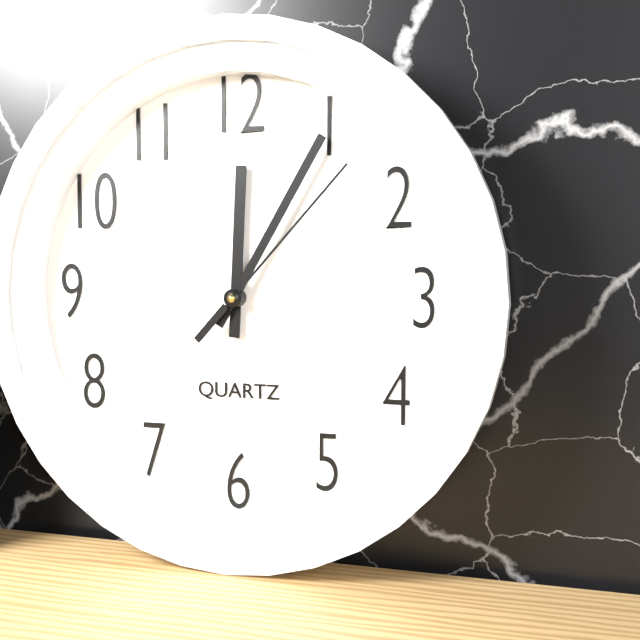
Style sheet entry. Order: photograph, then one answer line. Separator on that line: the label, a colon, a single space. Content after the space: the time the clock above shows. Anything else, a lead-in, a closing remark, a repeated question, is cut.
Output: 12:05:07
